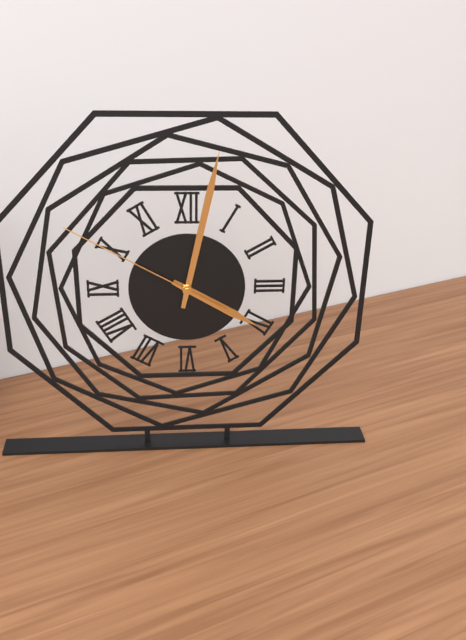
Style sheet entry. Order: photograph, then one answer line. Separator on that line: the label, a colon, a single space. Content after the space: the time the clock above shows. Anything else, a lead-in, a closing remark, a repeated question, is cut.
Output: 4:02:50
